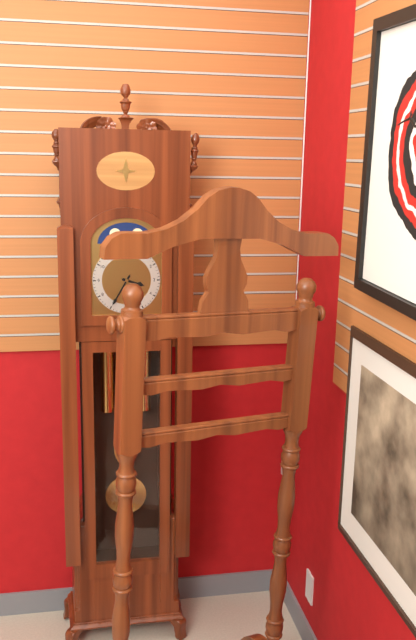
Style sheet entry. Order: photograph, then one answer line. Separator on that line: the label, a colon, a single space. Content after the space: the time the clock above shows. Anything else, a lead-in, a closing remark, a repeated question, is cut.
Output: 3:35
